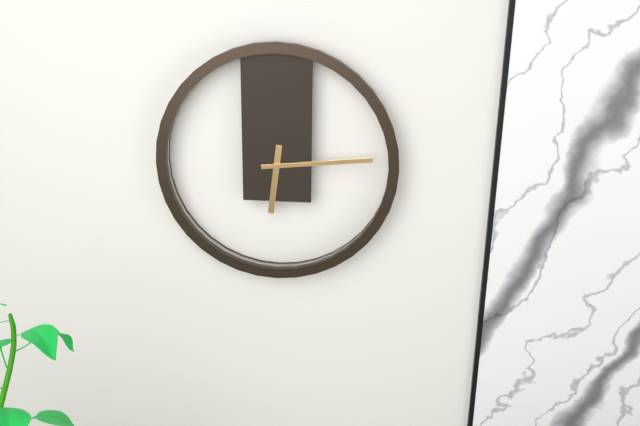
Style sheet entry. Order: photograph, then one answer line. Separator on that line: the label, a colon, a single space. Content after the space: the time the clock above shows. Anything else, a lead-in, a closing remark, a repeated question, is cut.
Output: 6:14
